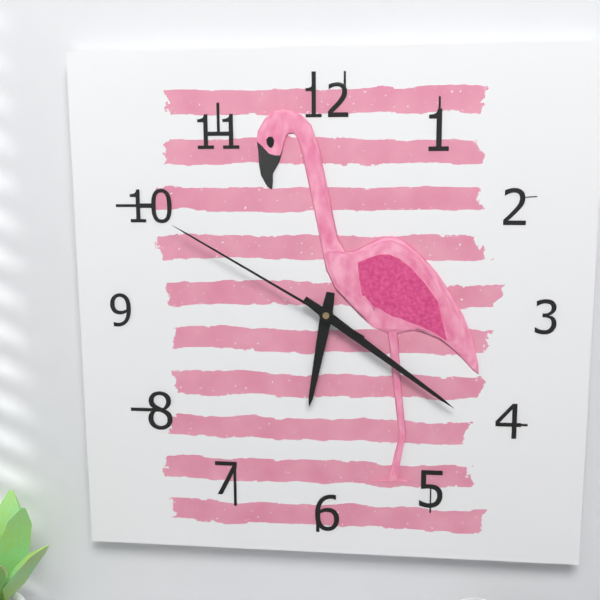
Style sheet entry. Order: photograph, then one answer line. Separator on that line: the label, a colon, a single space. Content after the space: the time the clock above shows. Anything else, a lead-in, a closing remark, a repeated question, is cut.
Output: 6:21:50
